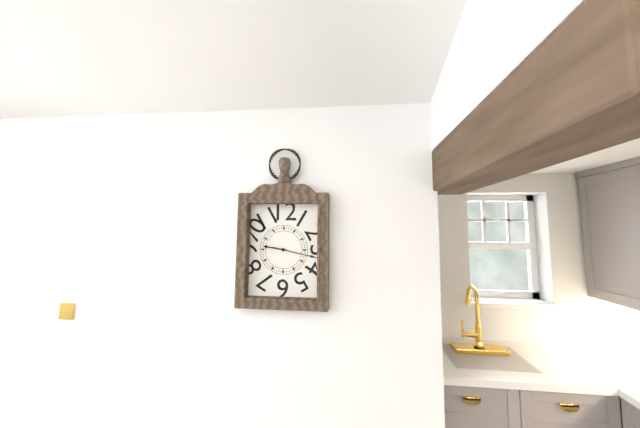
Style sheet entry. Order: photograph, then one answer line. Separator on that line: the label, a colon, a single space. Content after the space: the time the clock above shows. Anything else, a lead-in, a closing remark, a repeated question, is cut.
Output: 9:17
